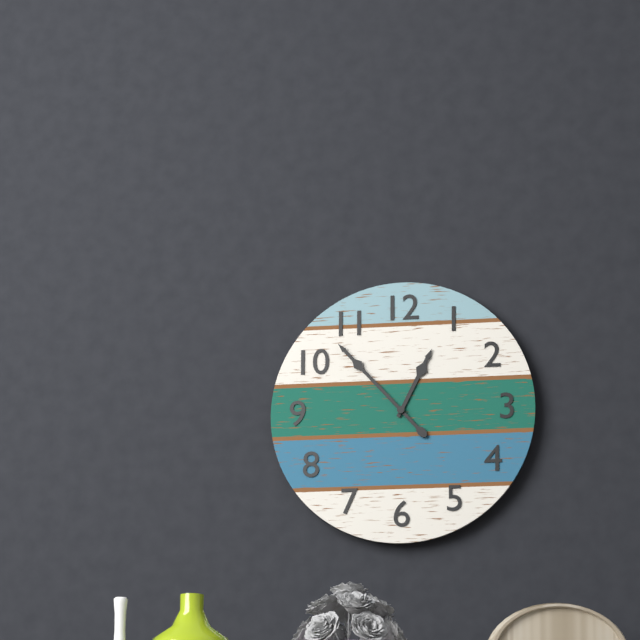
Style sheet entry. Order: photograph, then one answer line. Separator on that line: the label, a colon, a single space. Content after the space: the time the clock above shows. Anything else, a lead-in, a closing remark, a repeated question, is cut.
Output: 12:53
